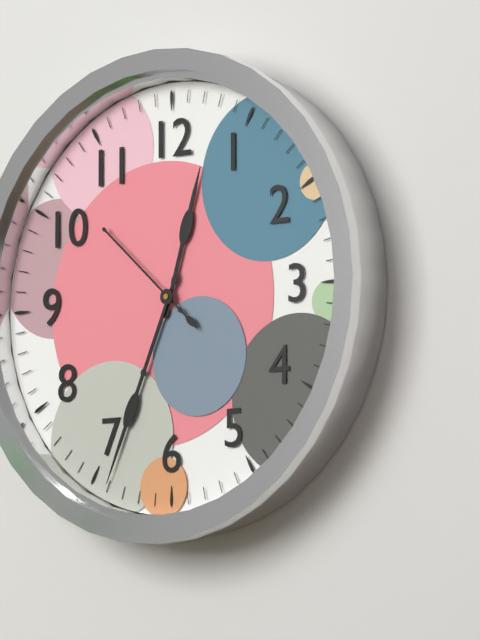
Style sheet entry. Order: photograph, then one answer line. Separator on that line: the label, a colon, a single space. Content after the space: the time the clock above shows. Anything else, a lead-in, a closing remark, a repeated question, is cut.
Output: 12:34:52
